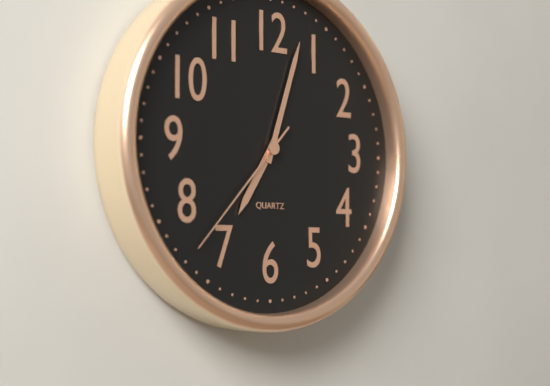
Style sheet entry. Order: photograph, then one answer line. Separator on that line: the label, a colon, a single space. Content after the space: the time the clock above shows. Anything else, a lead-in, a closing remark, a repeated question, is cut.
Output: 7:03:37
